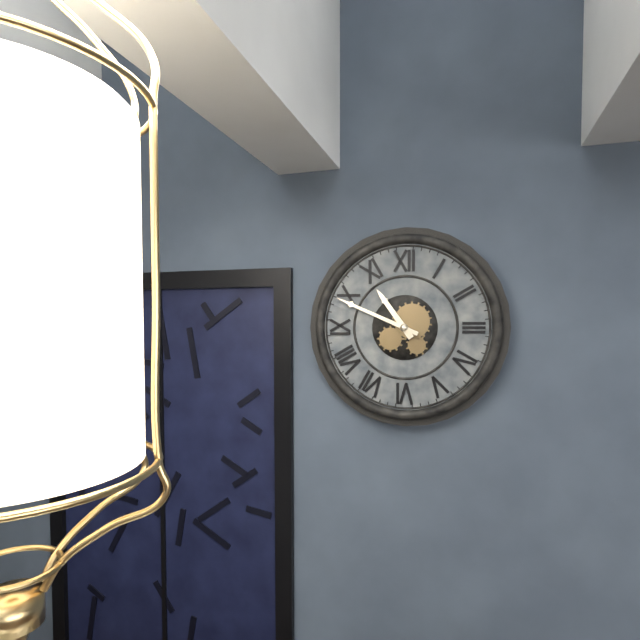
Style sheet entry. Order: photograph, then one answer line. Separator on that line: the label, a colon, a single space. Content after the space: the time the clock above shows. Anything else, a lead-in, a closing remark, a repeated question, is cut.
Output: 10:49
